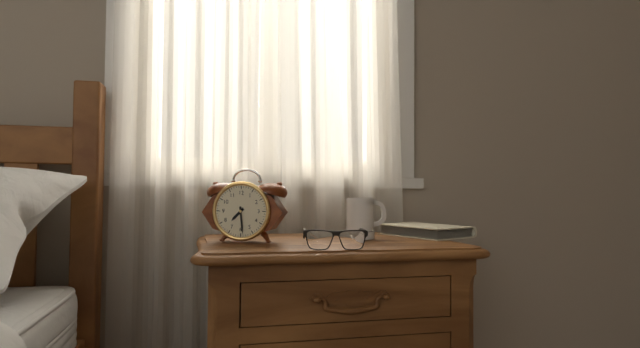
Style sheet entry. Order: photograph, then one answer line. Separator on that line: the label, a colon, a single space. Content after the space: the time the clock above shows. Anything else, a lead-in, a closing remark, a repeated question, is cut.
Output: 7:29
